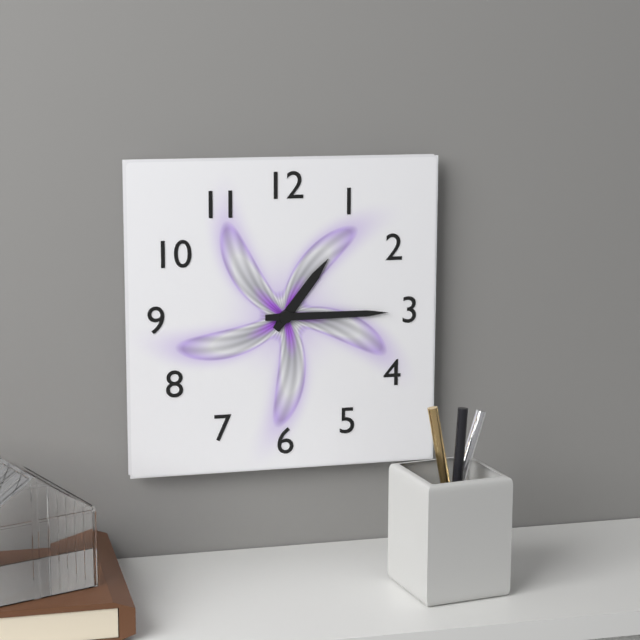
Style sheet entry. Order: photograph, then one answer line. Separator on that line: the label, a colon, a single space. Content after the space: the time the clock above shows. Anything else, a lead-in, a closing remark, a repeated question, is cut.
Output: 1:15
